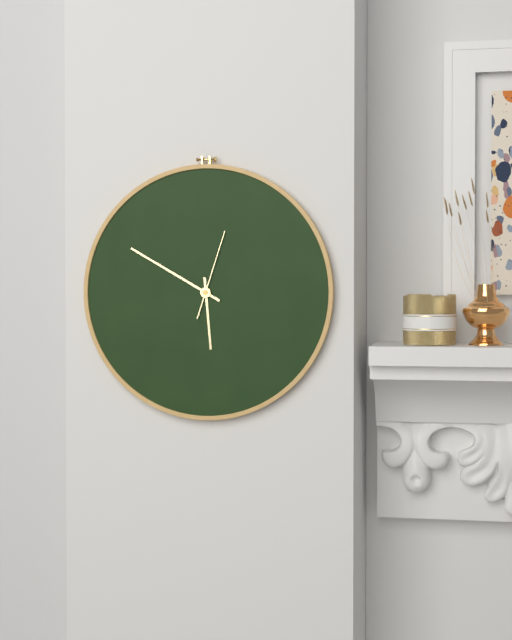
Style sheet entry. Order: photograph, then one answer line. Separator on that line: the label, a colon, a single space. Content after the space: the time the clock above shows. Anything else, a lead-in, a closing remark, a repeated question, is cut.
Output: 5:50:03
